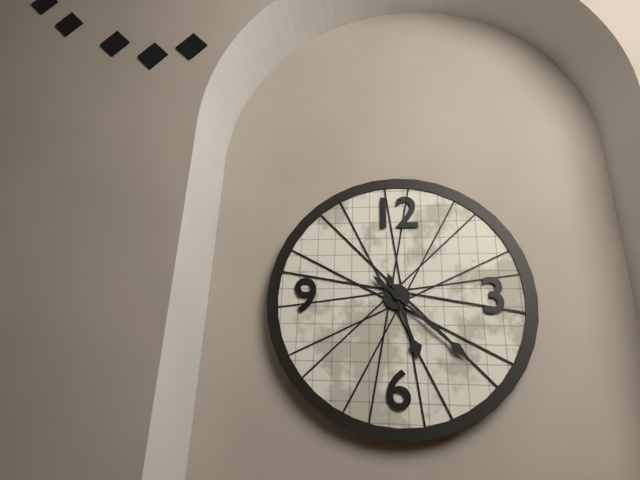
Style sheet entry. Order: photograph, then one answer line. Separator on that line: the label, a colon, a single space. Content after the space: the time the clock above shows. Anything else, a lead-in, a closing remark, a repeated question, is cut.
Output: 5:22
